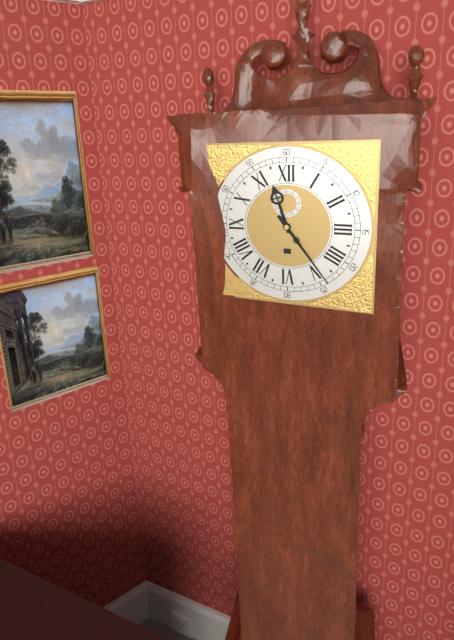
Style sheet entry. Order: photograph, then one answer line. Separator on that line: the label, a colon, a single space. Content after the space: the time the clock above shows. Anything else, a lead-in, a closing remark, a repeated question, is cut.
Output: 11:24
